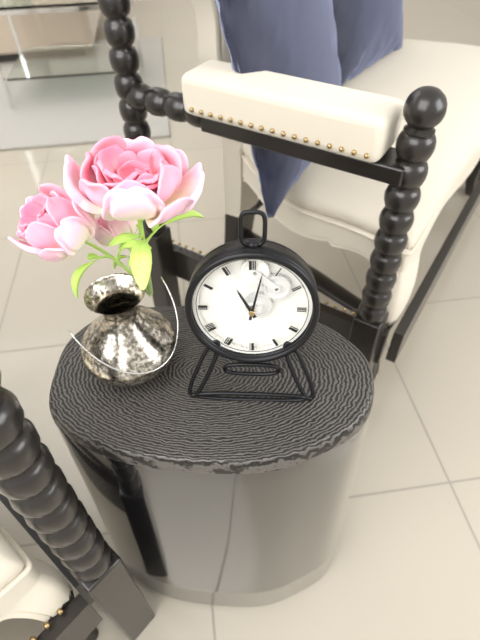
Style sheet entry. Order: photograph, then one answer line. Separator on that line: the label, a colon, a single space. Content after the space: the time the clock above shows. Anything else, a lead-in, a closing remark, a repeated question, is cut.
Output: 11:02
